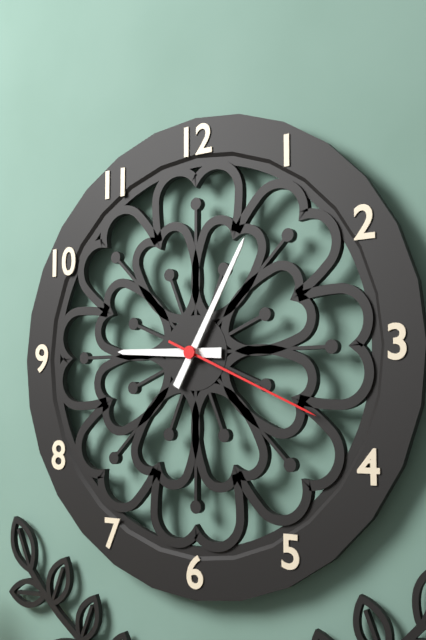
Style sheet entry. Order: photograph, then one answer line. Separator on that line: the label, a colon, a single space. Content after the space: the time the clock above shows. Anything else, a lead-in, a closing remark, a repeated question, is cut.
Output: 9:05:19
